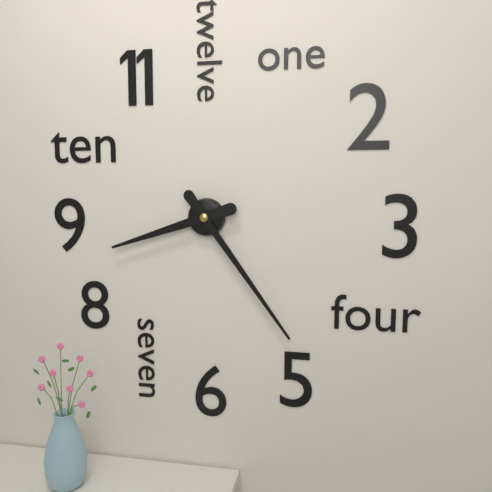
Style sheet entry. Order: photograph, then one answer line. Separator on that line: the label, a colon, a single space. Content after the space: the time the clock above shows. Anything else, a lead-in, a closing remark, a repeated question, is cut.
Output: 8:24
